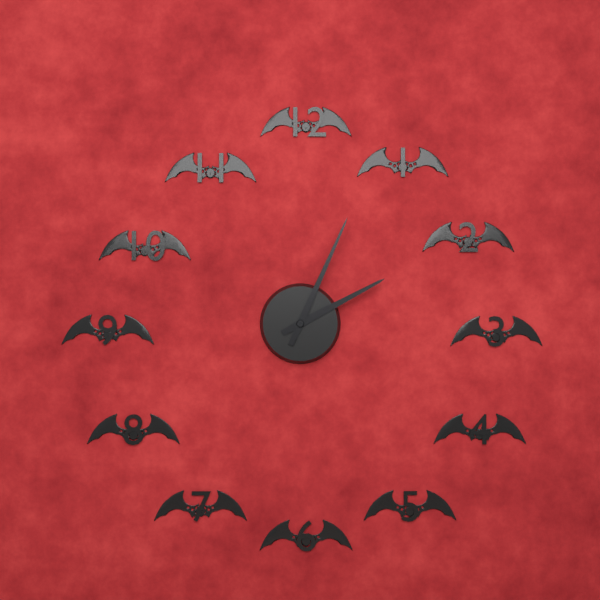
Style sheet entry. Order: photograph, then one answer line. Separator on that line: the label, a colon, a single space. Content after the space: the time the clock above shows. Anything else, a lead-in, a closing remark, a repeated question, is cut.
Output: 2:04
